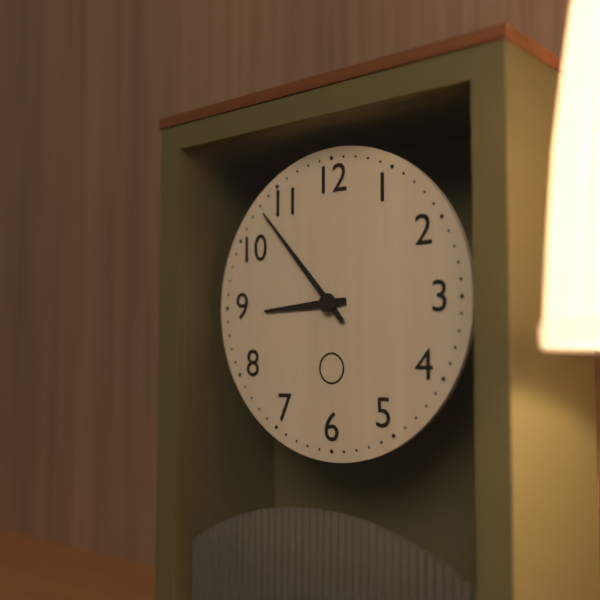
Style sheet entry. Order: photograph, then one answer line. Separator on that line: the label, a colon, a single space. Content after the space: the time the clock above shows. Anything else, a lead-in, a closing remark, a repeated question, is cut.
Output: 8:53
